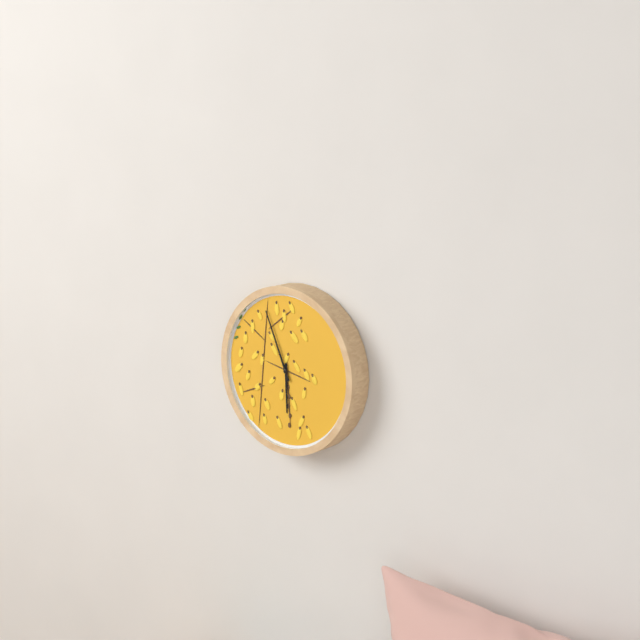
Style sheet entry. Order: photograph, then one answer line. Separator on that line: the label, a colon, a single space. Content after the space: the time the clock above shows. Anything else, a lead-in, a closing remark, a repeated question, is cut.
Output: 5:56
